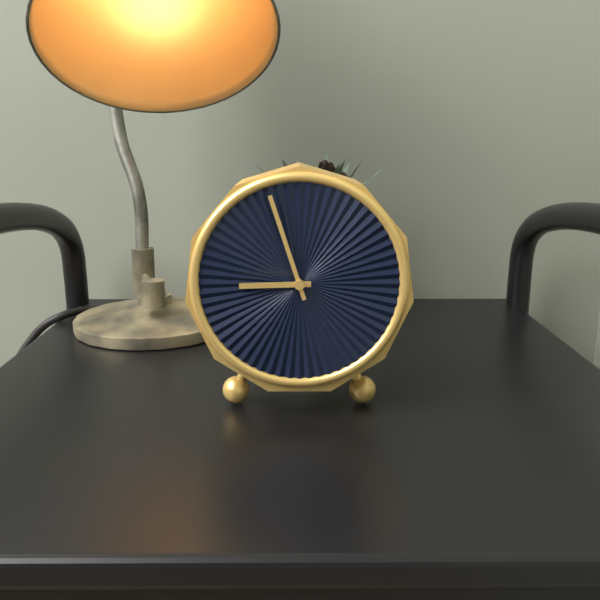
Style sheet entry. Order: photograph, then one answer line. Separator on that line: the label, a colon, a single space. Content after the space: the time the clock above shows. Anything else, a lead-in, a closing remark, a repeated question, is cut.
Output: 8:57
